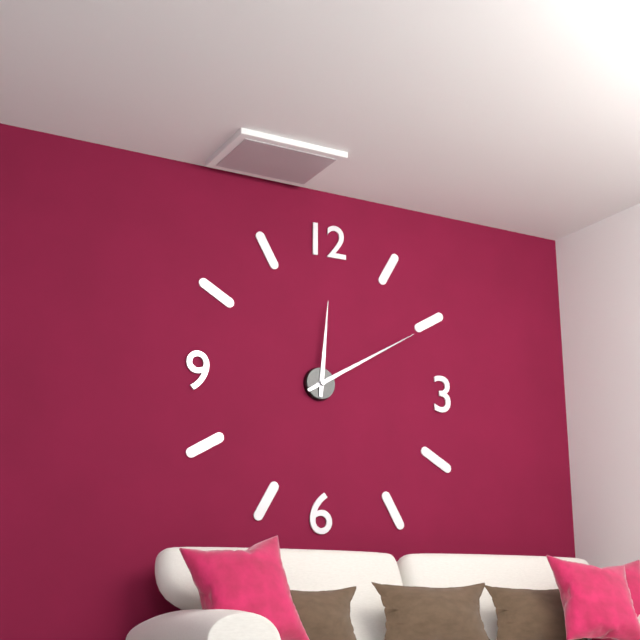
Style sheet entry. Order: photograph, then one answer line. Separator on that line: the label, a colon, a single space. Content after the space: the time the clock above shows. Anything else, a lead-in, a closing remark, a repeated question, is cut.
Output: 12:10
